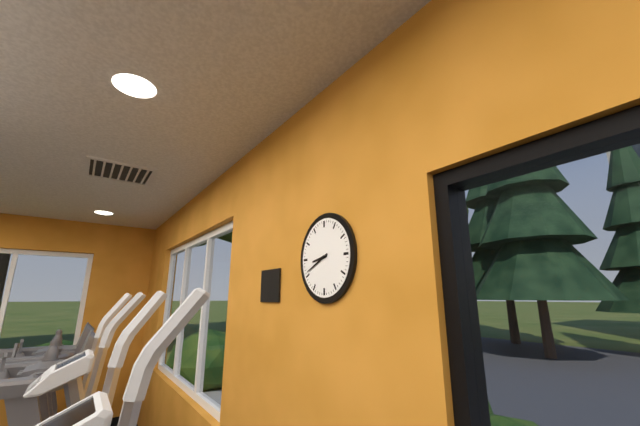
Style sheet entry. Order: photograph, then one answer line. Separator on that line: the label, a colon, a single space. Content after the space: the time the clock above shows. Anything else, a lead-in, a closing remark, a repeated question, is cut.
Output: 8:41
